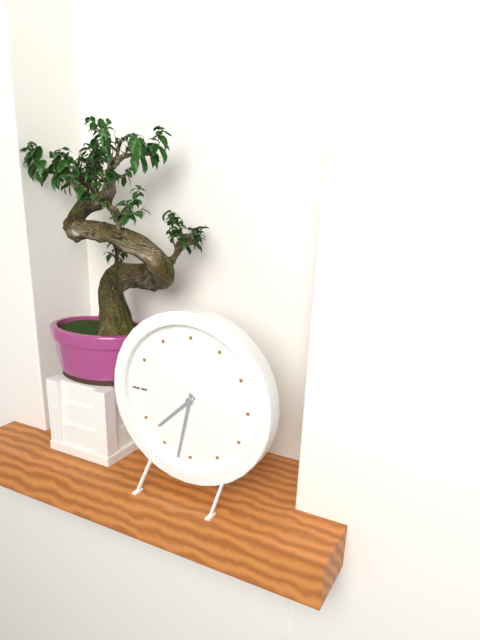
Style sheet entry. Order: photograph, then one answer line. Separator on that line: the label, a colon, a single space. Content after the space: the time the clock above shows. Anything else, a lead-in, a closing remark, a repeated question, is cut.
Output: 7:32
